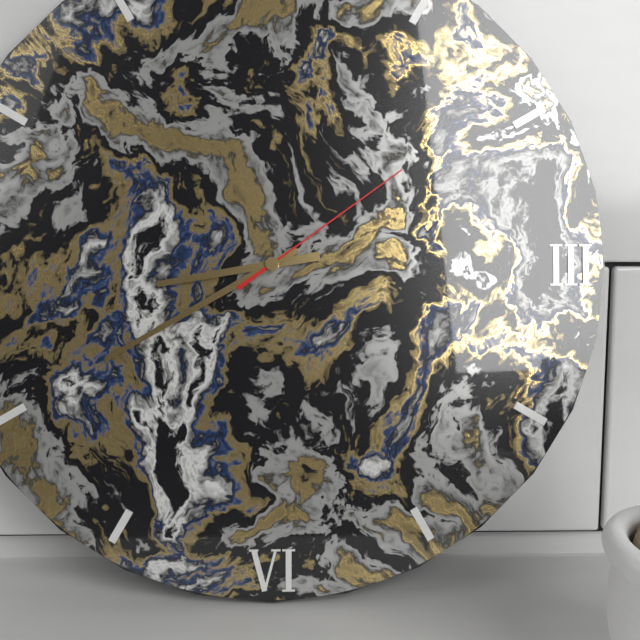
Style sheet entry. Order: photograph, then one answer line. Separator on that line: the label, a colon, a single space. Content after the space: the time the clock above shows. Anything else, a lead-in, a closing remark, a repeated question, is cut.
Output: 8:40:09
